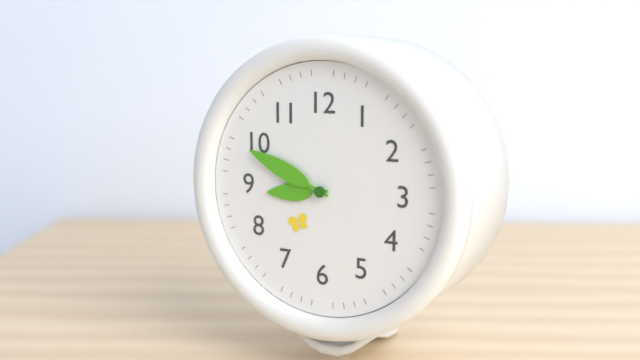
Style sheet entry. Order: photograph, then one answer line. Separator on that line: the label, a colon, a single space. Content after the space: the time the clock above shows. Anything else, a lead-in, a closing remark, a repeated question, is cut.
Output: 8:49
